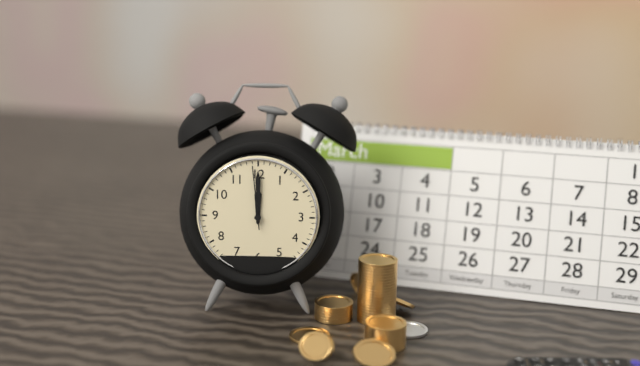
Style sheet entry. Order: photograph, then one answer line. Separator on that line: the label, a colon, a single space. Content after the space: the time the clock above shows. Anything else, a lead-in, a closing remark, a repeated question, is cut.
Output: 12:00:59
